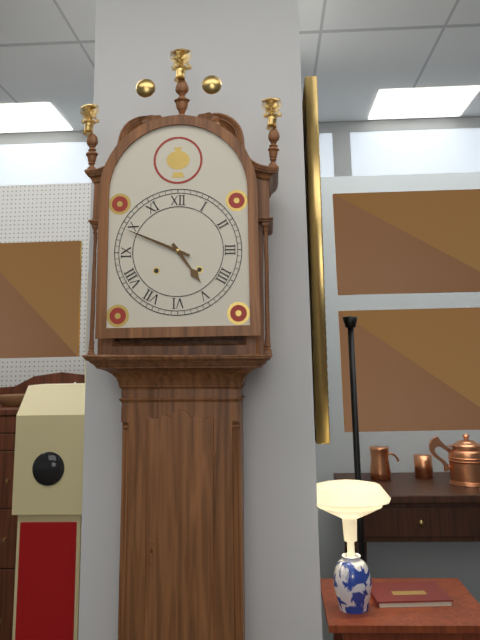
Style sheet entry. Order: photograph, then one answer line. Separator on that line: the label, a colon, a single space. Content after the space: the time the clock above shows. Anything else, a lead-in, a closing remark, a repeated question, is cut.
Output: 4:49
